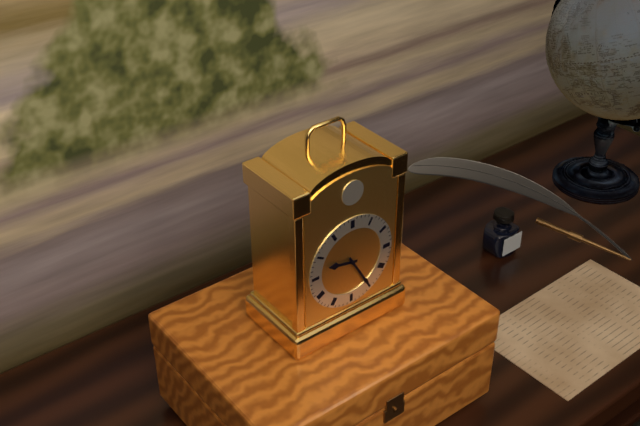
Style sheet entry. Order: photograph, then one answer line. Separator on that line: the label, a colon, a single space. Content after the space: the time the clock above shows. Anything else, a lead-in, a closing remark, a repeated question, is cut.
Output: 9:25
